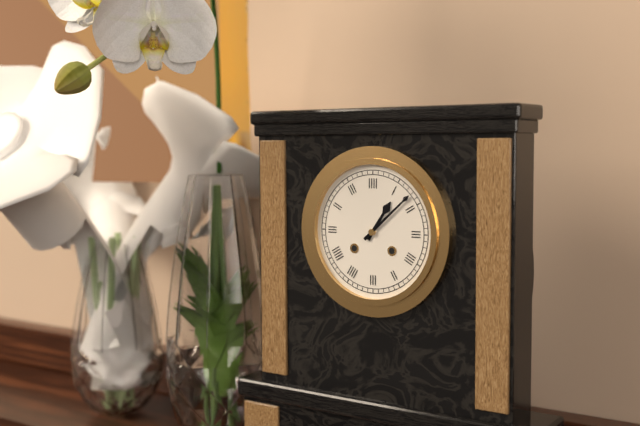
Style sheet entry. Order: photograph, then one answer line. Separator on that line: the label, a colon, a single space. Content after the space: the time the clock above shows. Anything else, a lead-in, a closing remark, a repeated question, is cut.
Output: 1:08
